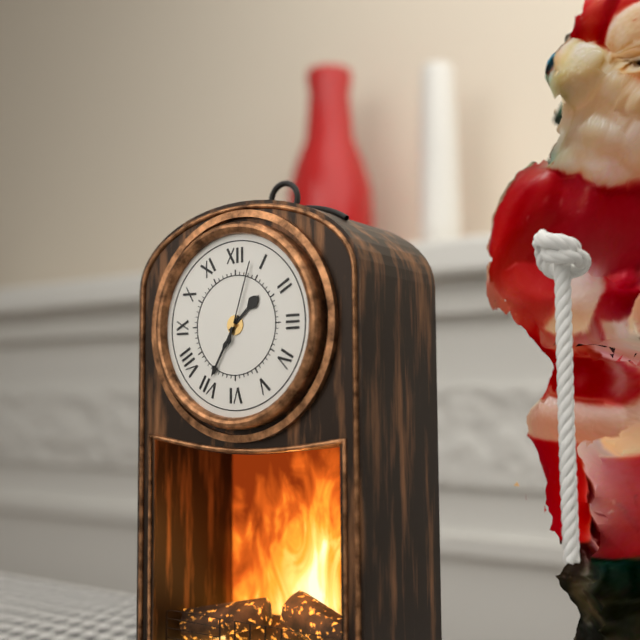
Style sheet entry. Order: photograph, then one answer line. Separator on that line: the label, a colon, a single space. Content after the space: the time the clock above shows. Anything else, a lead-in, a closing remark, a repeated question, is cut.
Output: 1:35:03
